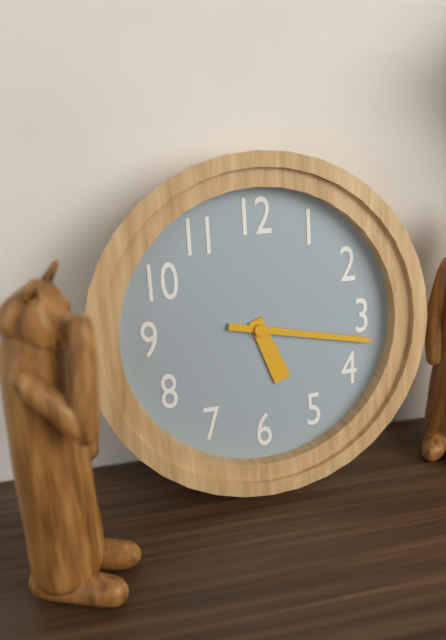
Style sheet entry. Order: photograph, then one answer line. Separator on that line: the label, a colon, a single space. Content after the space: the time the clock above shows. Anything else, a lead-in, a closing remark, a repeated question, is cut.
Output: 5:17
